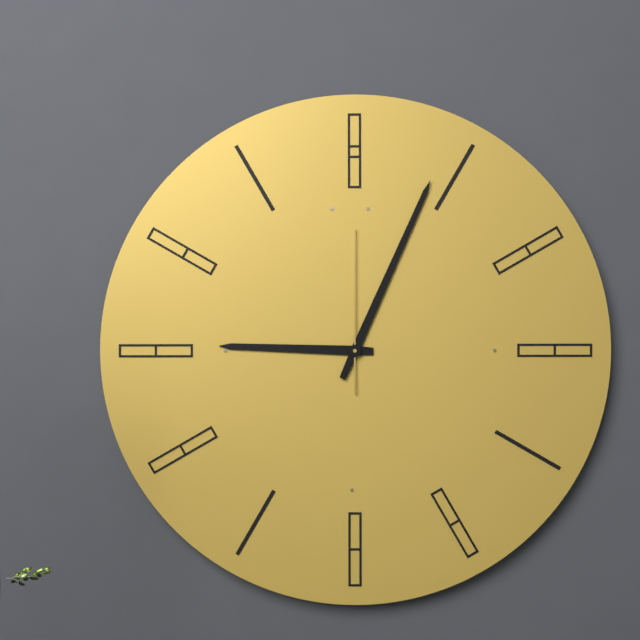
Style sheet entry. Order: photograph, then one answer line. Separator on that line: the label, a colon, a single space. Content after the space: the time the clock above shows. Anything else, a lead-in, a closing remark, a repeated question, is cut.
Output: 9:04:00
